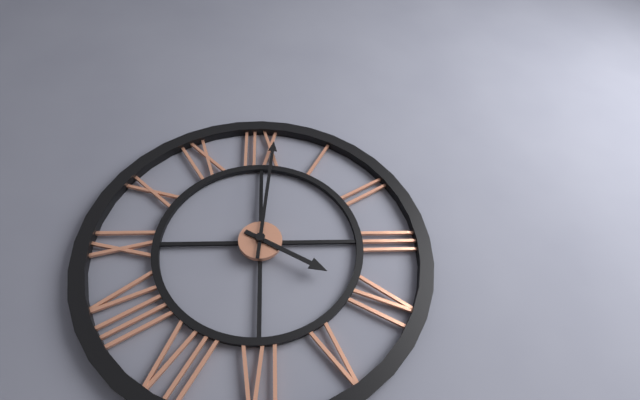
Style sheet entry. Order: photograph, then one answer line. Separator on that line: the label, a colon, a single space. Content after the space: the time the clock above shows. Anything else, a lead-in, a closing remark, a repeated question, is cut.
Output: 4:01
